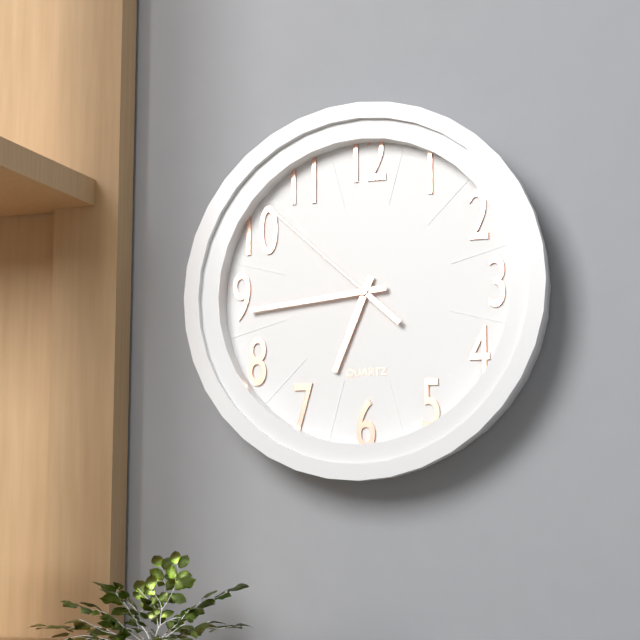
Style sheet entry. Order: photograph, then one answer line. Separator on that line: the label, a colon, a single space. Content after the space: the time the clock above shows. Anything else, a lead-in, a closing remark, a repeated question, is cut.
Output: 6:44:52
